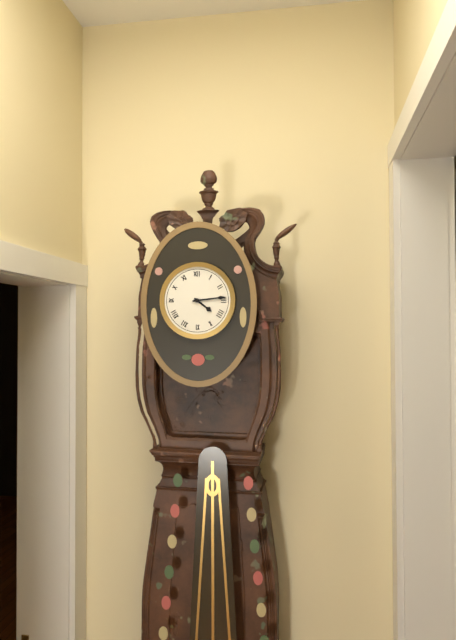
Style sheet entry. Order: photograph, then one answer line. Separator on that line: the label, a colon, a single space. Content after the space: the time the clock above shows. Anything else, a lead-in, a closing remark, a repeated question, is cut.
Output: 4:14
